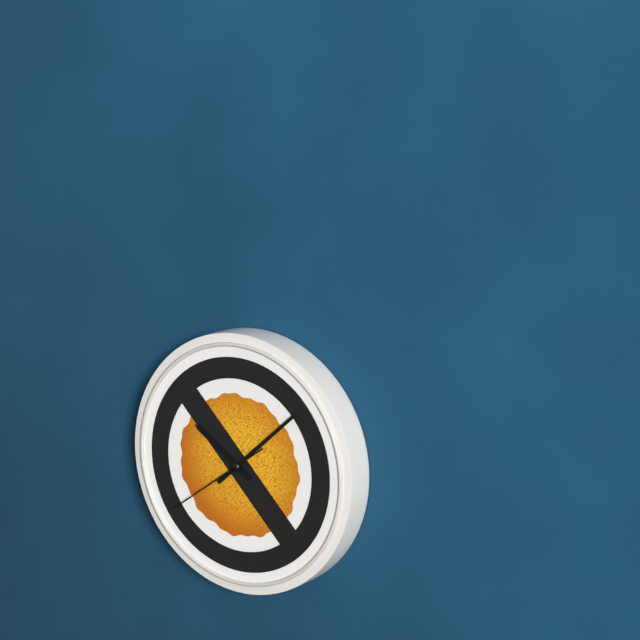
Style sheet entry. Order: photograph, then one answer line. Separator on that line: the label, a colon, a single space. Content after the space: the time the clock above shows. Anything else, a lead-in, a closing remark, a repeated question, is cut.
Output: 10:08:39
